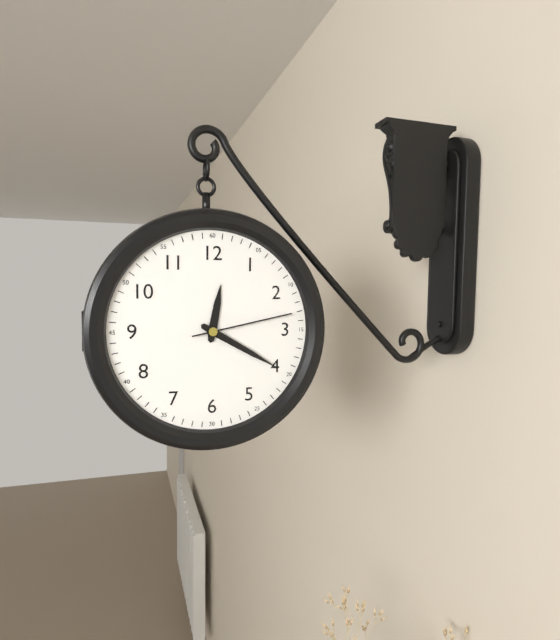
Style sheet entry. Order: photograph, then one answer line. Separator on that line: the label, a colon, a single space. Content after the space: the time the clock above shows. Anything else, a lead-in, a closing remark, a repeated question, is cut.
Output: 12:20:13
